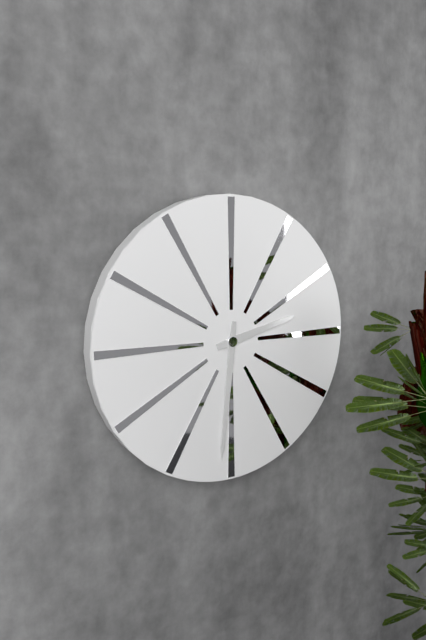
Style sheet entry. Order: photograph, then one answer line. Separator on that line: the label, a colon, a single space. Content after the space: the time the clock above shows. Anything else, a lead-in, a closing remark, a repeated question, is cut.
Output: 2:31
